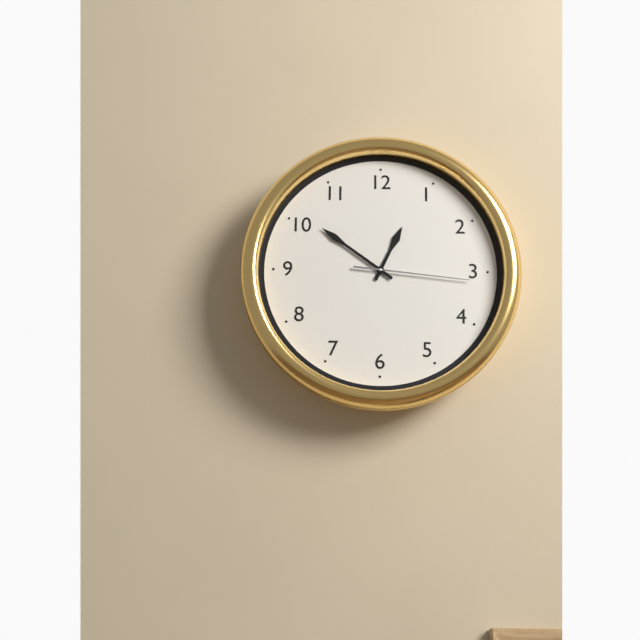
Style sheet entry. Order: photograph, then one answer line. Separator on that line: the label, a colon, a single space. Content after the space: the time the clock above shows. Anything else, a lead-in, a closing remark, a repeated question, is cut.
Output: 12:51:16
